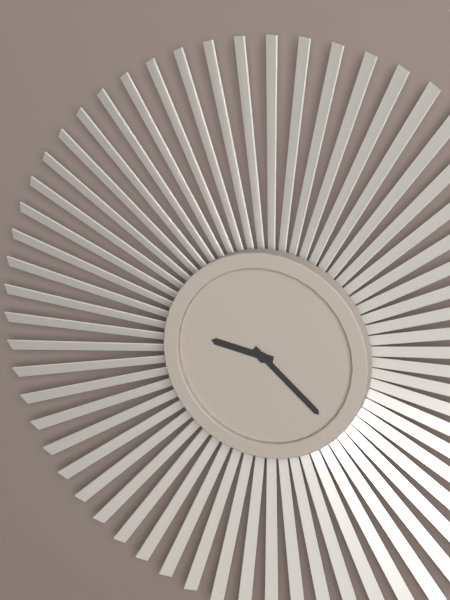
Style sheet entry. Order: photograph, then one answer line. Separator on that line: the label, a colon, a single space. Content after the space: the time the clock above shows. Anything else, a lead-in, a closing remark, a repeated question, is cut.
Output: 9:22
